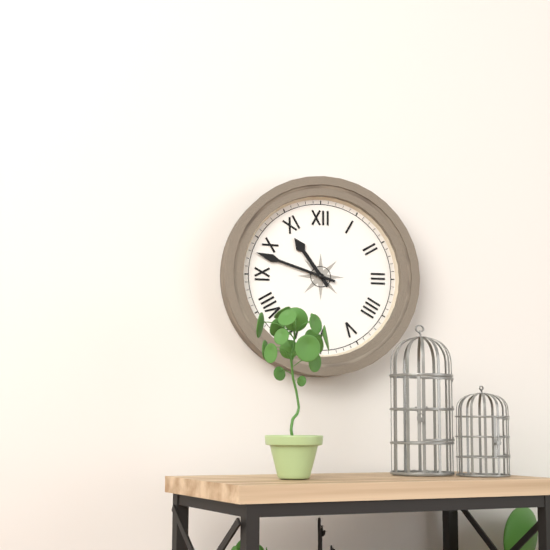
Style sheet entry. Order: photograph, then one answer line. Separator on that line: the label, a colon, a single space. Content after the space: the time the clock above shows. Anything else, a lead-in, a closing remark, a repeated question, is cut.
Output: 10:48
